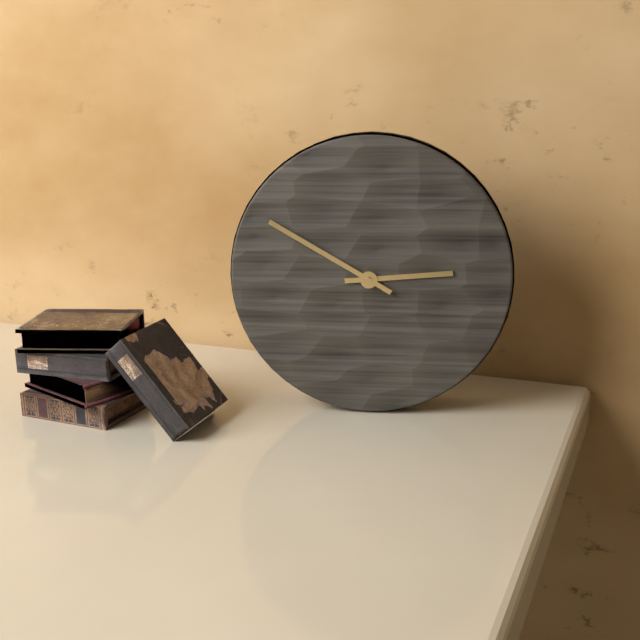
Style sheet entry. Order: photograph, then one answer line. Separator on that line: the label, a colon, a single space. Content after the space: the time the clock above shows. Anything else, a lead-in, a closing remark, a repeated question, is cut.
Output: 2:50
